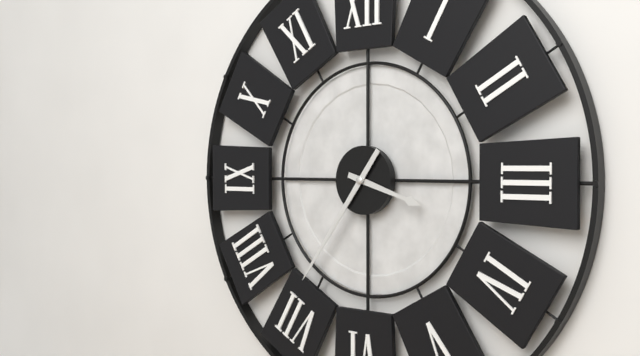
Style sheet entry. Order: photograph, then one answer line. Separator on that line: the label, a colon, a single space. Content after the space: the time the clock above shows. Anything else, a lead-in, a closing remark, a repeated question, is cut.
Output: 3:36
